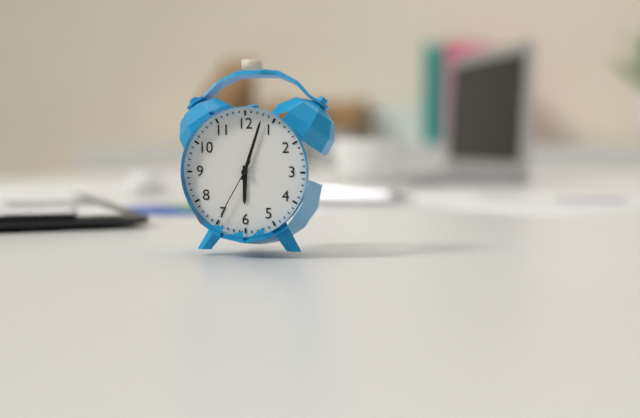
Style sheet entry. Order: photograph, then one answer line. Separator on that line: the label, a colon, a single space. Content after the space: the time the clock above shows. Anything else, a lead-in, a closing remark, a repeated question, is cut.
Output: 6:03:35
